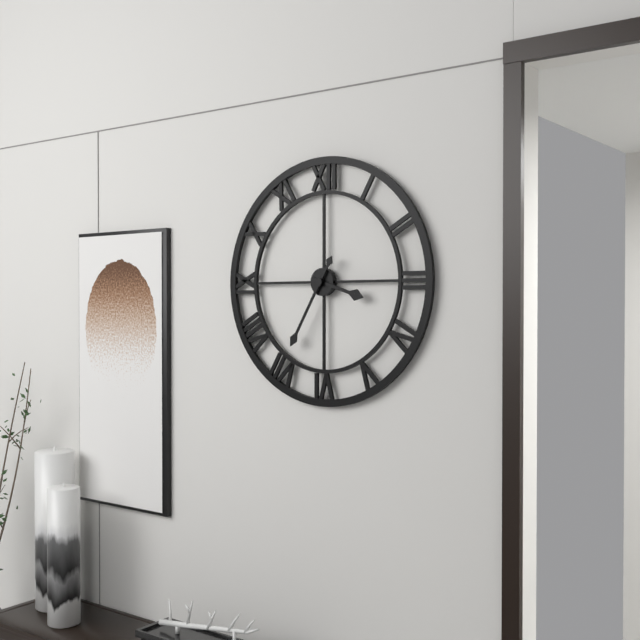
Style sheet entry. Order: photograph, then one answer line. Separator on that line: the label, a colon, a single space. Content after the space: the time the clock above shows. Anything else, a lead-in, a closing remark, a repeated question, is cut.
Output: 3:35
